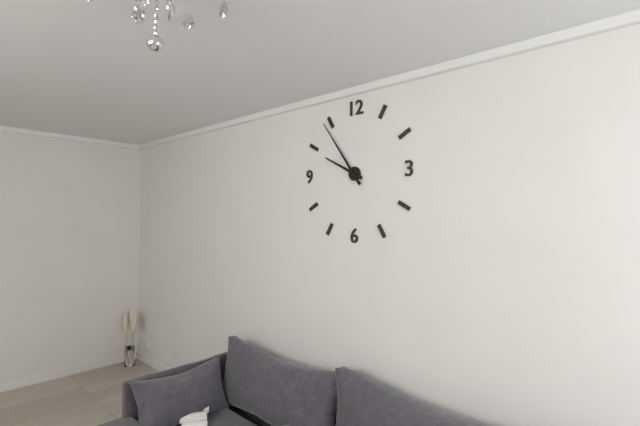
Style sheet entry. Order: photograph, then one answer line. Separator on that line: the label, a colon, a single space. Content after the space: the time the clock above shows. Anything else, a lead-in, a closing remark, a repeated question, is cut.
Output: 9:54
